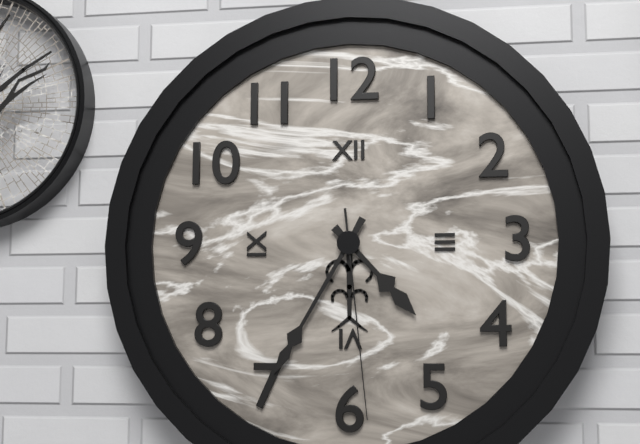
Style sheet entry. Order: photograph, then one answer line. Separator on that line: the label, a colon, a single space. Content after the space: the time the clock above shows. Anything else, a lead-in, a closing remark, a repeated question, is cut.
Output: 4:35:29
